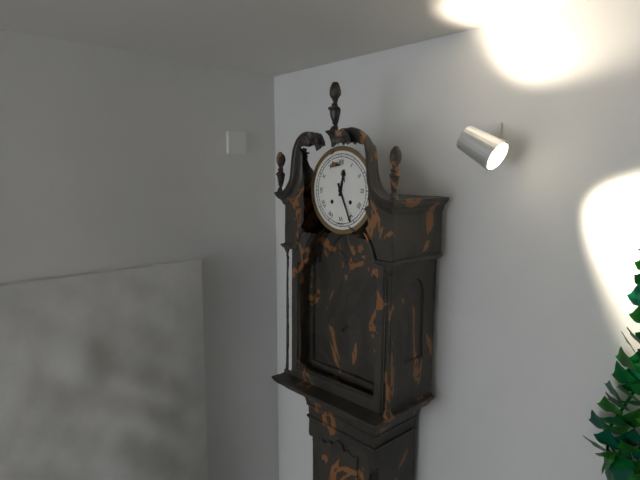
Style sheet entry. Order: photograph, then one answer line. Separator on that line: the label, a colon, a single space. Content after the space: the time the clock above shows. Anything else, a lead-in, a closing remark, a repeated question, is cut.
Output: 12:26
